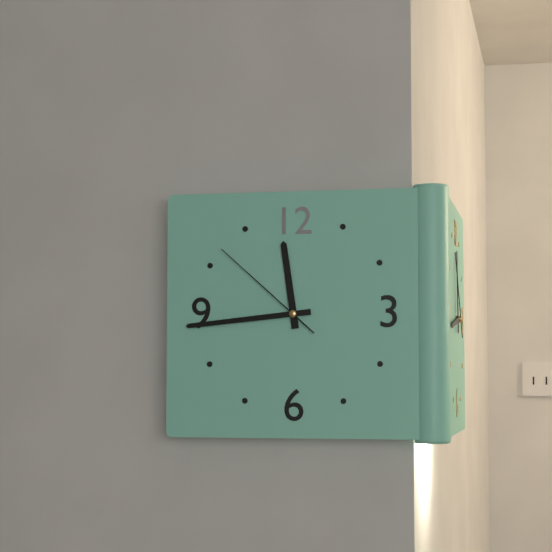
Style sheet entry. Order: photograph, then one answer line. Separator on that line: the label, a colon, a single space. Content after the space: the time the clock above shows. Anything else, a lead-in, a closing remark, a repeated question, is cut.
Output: 11:44:52
